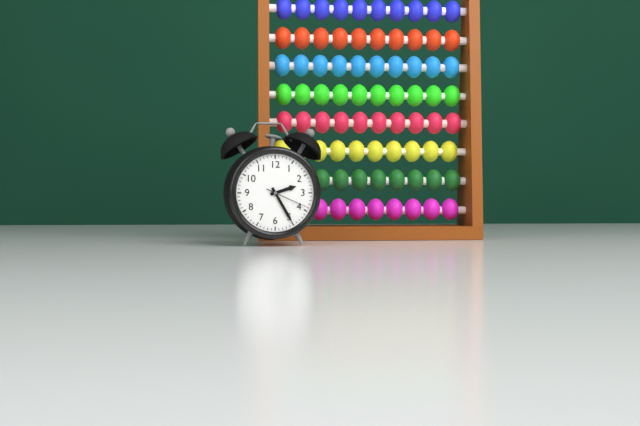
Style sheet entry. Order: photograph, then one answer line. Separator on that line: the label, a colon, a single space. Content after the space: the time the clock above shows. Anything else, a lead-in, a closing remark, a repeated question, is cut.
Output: 2:25
